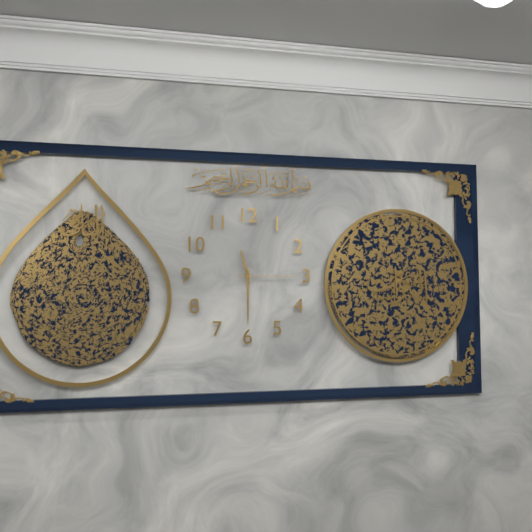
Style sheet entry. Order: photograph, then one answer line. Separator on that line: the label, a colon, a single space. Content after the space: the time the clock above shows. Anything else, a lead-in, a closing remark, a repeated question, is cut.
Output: 11:30:15
